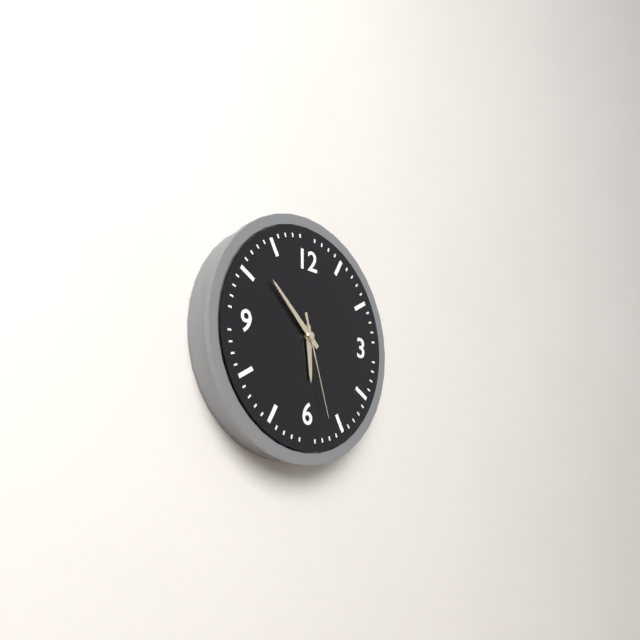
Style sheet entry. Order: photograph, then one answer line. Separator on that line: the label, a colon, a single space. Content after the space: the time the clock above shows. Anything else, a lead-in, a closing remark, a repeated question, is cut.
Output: 5:52:27
